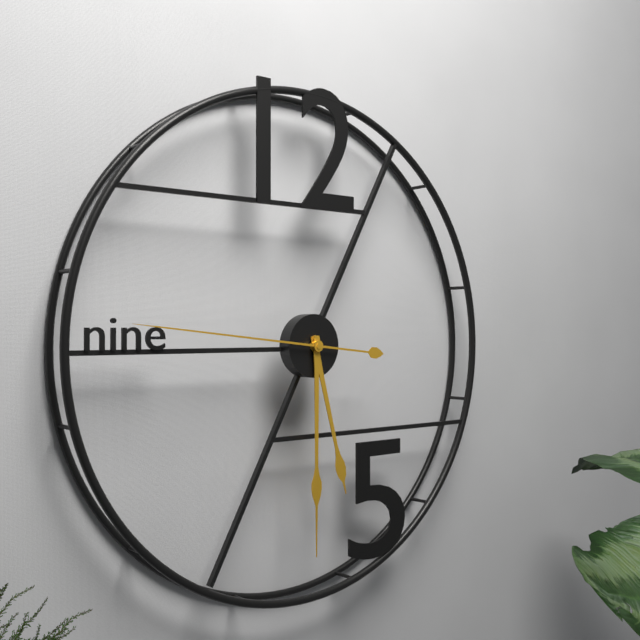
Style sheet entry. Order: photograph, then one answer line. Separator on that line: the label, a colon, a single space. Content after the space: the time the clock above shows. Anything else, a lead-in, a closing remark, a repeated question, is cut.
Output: 5:30:46
